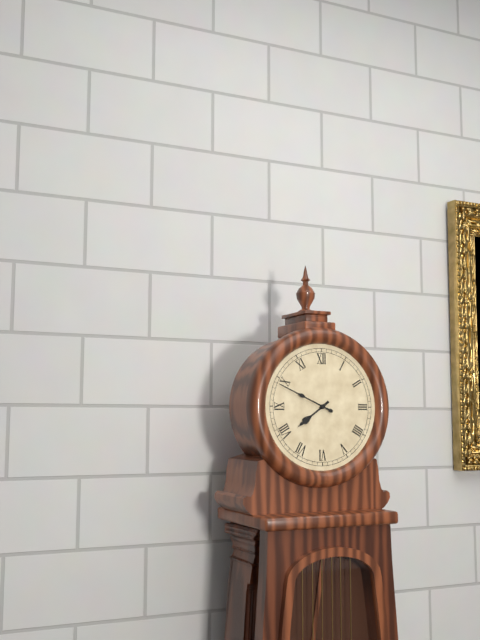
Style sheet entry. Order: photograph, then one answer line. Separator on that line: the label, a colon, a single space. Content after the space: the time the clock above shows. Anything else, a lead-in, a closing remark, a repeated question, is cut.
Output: 7:49
